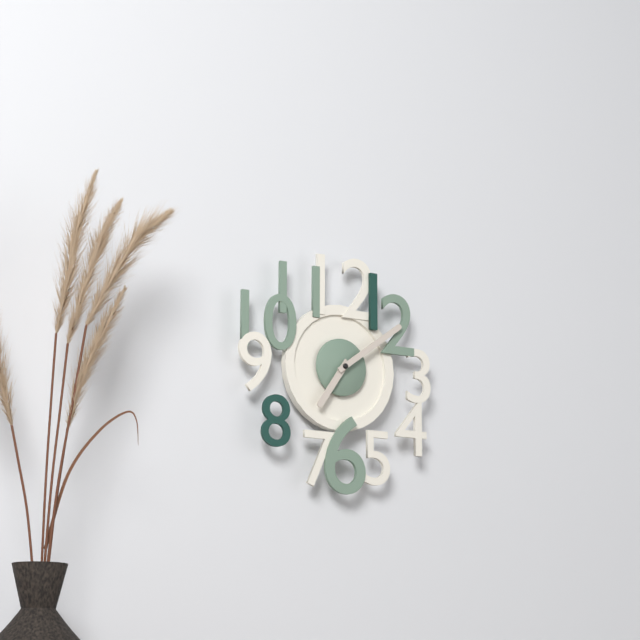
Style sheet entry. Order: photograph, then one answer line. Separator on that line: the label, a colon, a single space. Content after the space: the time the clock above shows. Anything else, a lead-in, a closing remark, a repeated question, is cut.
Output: 7:09
